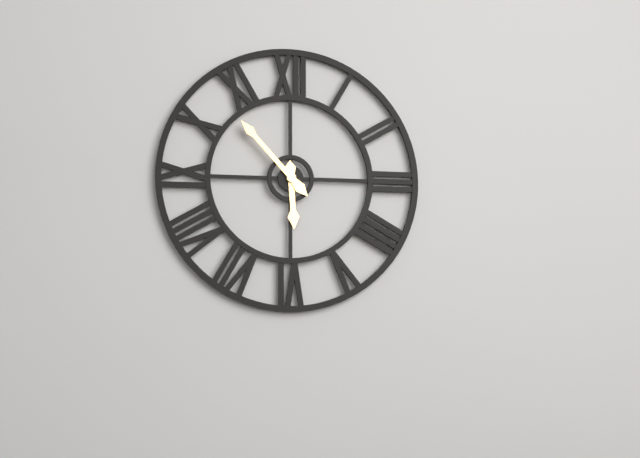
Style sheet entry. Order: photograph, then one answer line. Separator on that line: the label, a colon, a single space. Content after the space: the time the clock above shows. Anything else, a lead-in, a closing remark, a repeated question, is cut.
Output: 5:53
